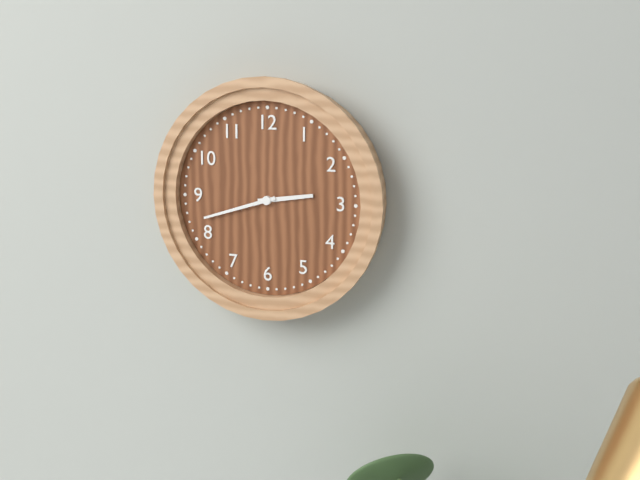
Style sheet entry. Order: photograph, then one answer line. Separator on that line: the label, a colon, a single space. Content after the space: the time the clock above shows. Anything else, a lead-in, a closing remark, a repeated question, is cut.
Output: 2:42
